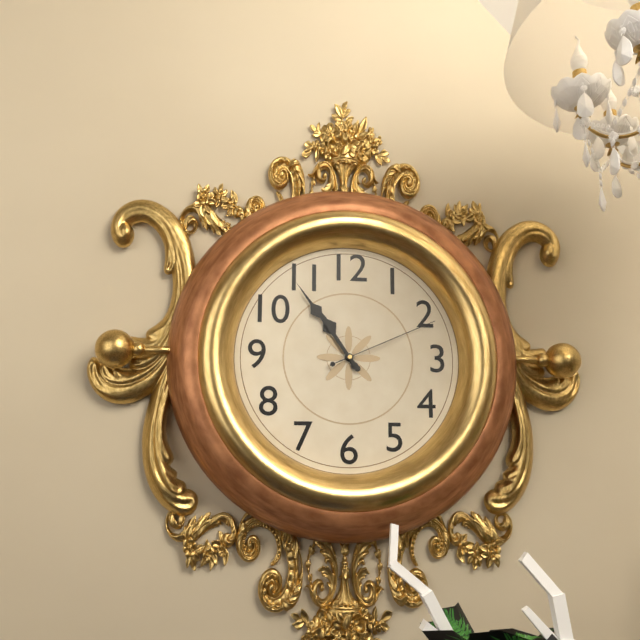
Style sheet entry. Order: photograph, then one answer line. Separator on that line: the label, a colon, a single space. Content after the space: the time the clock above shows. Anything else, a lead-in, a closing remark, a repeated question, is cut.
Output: 10:54:11
